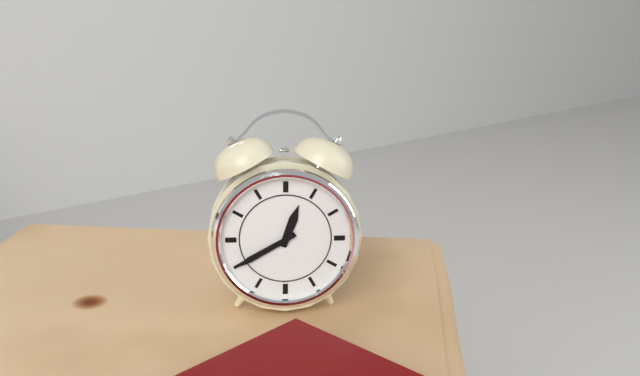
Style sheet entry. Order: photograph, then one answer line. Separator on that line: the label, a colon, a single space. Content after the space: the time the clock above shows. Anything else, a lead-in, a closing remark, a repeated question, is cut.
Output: 12:40
